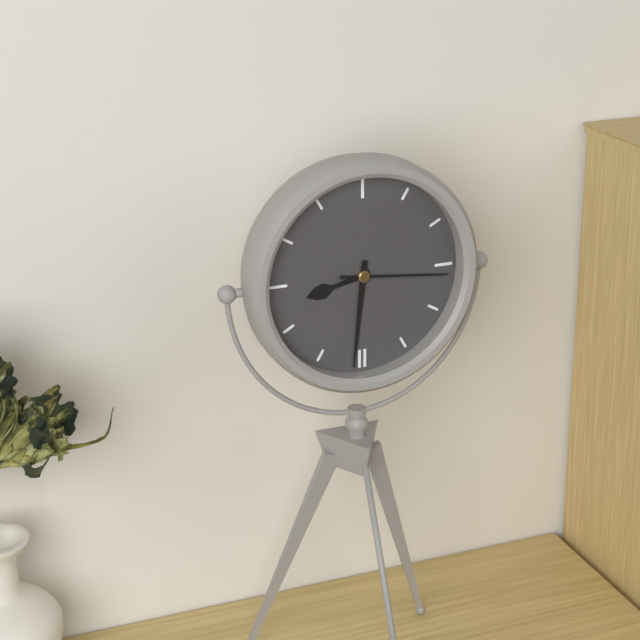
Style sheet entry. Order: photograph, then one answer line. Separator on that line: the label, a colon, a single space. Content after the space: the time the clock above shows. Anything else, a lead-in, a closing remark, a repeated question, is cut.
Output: 8:31:16
